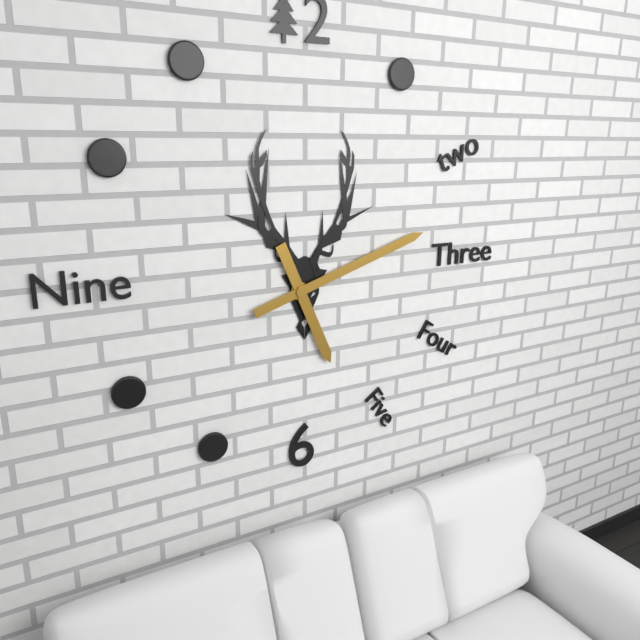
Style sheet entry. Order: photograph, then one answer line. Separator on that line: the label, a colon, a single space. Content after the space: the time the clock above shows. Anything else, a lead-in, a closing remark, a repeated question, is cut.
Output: 5:12
